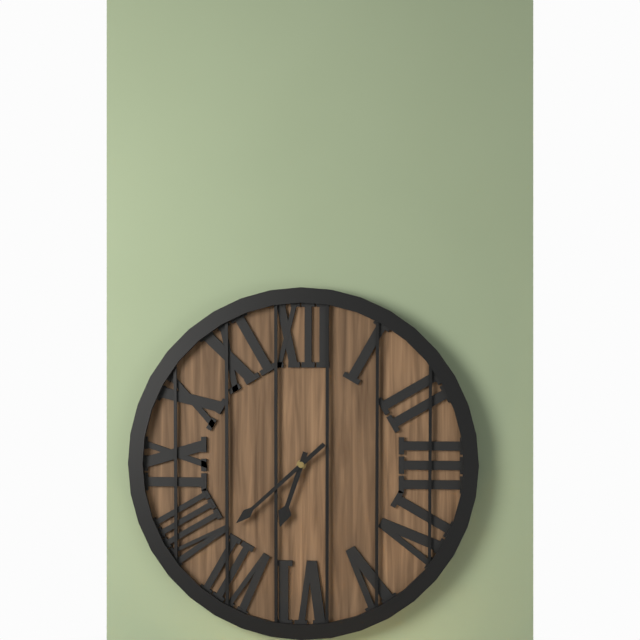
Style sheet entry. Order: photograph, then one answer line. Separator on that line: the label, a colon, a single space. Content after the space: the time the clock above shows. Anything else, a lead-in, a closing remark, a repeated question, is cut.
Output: 6:38
